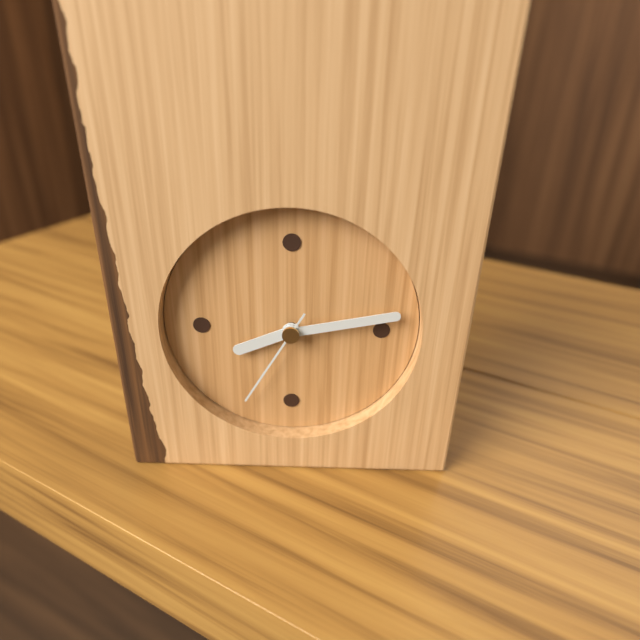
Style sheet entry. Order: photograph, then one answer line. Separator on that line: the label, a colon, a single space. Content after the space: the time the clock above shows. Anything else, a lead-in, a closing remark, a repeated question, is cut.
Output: 8:13:35
